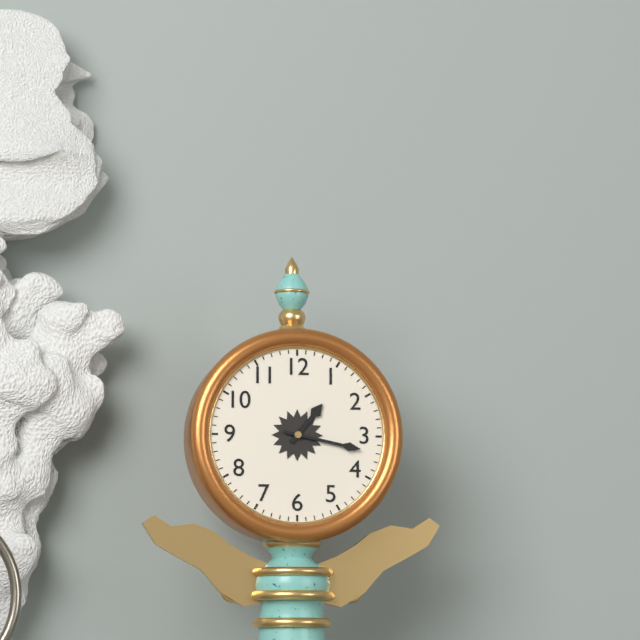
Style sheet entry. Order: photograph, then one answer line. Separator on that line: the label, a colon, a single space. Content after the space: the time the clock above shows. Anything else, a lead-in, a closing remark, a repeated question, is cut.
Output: 1:17
